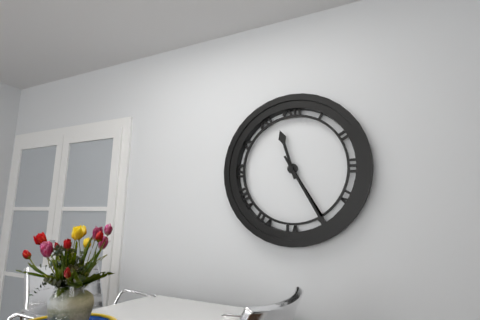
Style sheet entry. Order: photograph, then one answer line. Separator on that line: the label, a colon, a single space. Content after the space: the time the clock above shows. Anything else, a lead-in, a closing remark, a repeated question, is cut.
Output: 11:25
